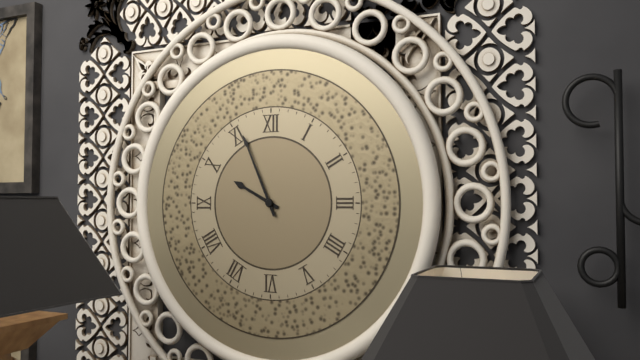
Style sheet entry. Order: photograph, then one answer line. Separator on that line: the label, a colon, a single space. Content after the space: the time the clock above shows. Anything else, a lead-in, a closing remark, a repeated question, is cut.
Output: 9:56
